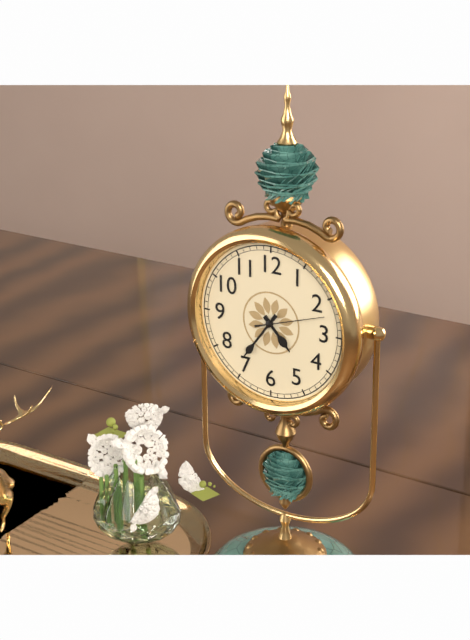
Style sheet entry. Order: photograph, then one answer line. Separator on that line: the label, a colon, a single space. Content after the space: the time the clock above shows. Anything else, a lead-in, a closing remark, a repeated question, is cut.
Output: 4:36:12
